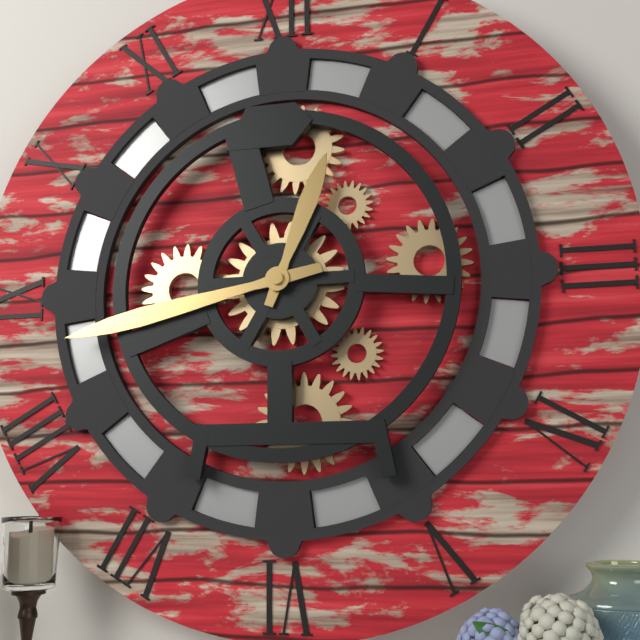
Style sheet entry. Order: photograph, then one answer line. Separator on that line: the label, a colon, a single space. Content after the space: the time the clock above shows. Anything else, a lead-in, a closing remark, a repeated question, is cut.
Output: 12:43
